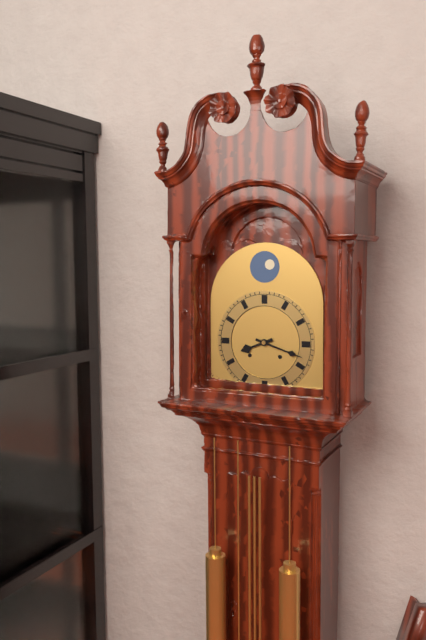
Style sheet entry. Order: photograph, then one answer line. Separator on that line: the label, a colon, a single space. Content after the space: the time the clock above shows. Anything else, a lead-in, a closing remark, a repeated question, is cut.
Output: 8:18
